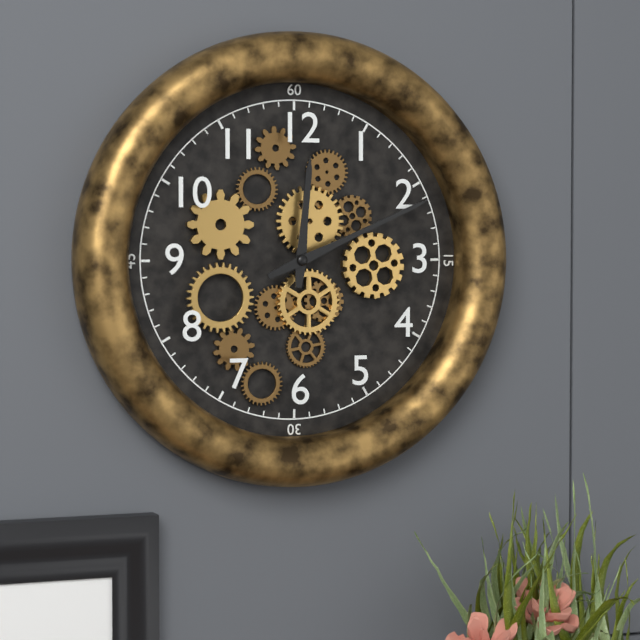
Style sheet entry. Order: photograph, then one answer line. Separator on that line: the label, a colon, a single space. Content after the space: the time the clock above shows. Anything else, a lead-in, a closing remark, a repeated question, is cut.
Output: 12:11
